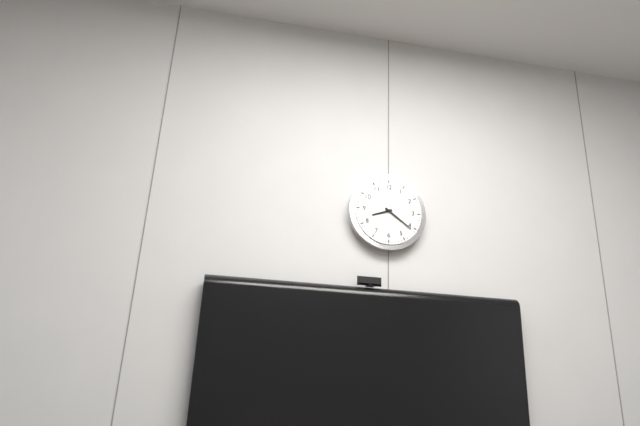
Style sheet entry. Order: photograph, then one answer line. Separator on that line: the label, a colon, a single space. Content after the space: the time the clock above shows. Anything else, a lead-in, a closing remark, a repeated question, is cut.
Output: 8:21
